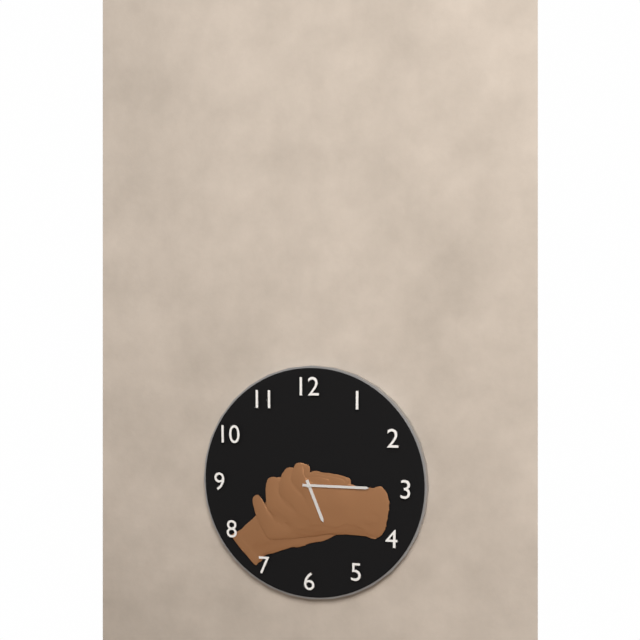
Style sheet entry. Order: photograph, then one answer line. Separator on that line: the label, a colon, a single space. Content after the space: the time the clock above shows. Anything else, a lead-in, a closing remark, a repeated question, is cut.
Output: 5:15
